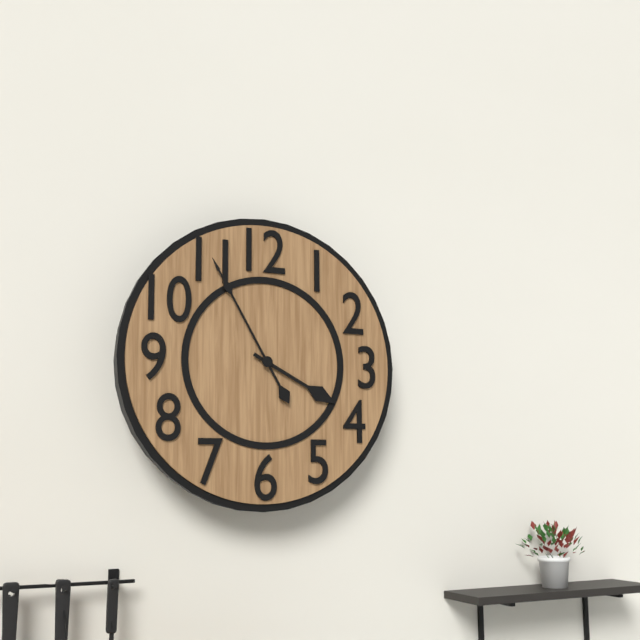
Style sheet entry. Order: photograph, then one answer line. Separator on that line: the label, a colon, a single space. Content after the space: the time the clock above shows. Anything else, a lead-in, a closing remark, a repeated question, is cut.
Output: 3:55
